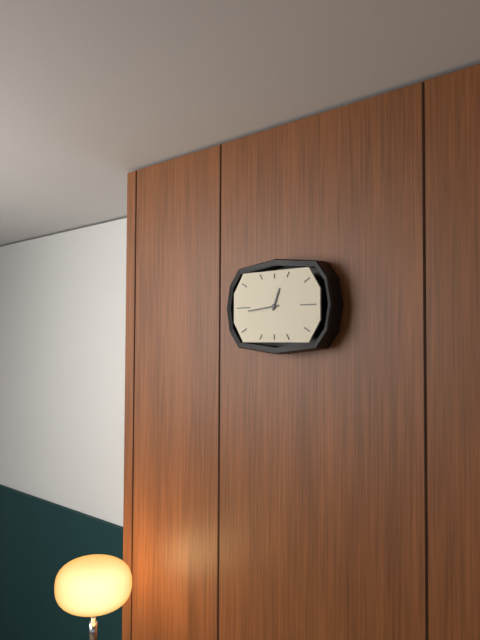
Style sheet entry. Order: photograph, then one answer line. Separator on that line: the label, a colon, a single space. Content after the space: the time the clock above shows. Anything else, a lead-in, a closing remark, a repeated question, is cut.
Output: 12:44
